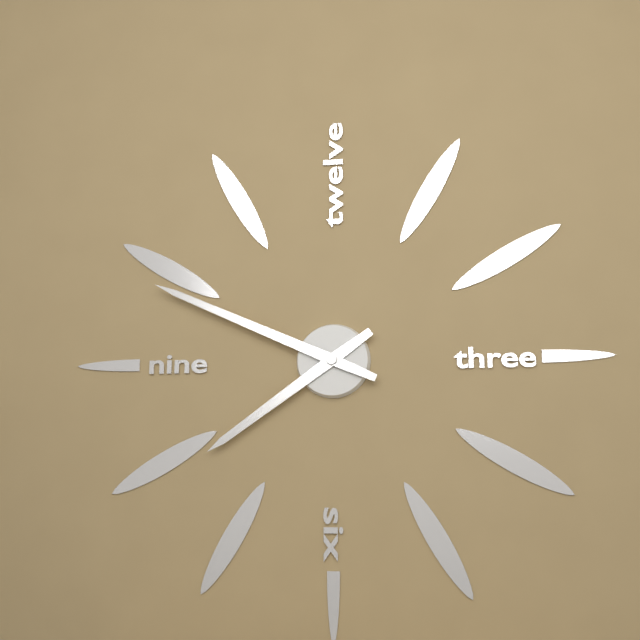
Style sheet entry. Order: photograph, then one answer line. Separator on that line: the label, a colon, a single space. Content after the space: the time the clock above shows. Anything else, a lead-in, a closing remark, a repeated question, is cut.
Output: 7:49
